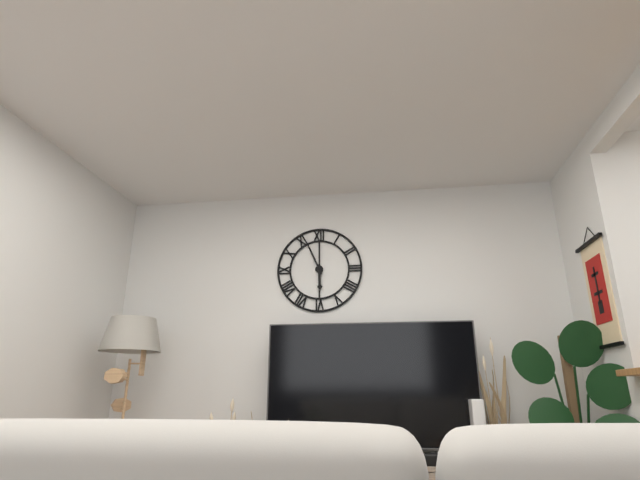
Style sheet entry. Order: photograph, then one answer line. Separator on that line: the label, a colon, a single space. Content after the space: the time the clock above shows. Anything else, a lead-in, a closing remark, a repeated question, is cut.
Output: 5:56
